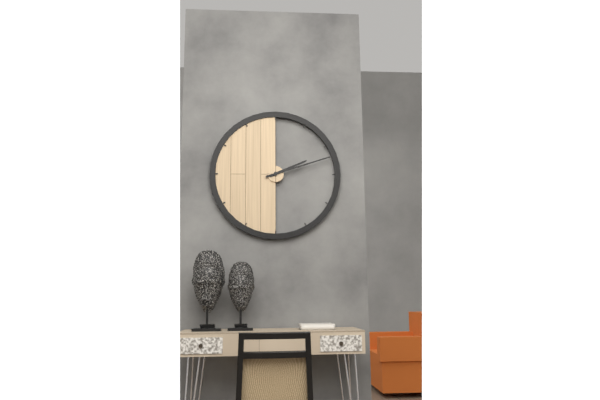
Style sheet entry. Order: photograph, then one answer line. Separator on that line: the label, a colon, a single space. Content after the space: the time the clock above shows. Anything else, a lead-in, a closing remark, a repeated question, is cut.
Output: 2:12
